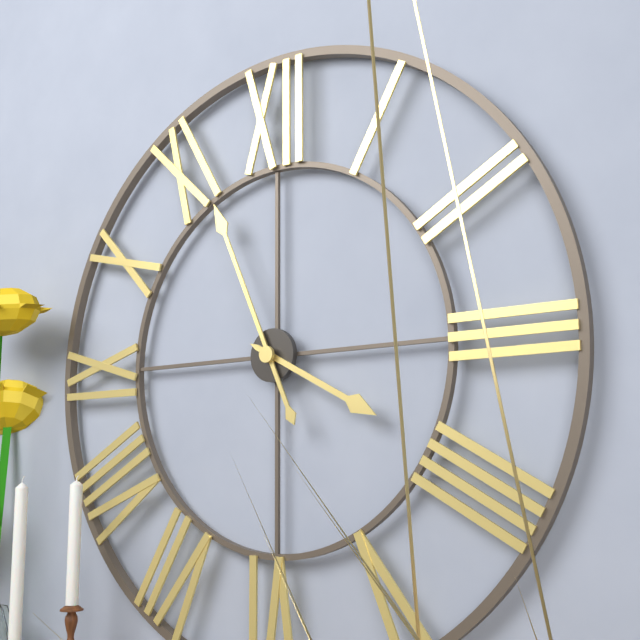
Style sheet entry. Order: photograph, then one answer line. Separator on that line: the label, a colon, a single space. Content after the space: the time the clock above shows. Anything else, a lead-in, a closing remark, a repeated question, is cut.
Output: 3:56
